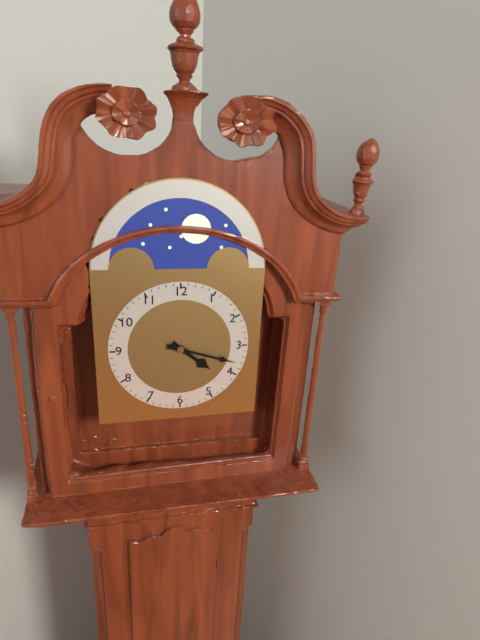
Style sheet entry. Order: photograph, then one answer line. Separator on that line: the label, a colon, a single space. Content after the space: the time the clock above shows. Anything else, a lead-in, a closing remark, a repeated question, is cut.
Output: 4:18
